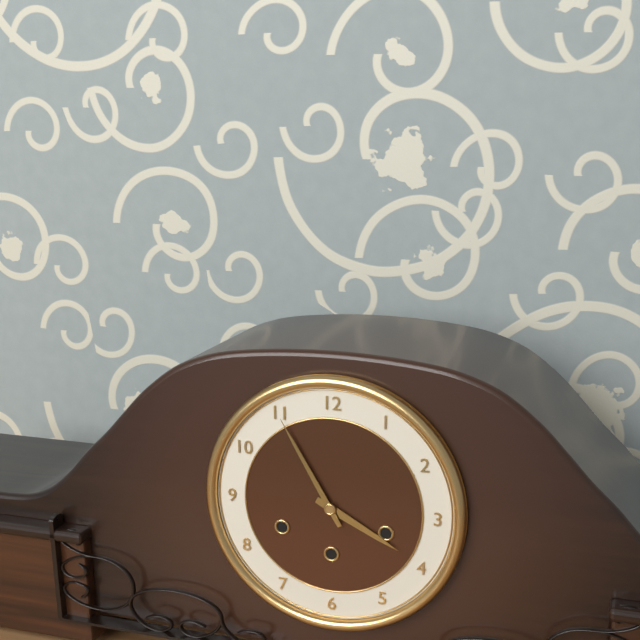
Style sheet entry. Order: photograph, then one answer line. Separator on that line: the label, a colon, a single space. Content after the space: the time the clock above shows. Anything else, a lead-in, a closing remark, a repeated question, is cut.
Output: 3:55
